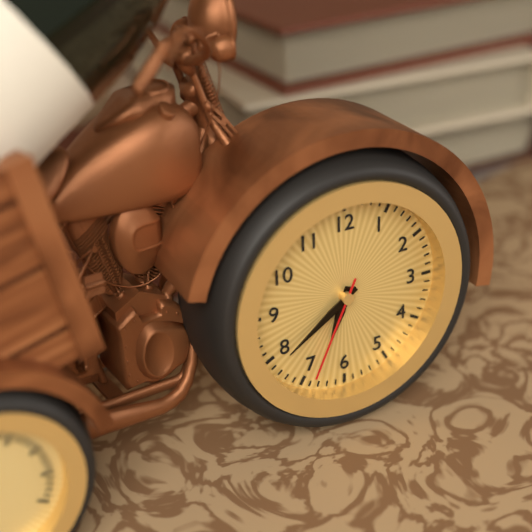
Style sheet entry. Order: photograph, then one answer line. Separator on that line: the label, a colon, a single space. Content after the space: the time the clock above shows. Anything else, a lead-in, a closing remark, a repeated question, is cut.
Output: 6:39:34
